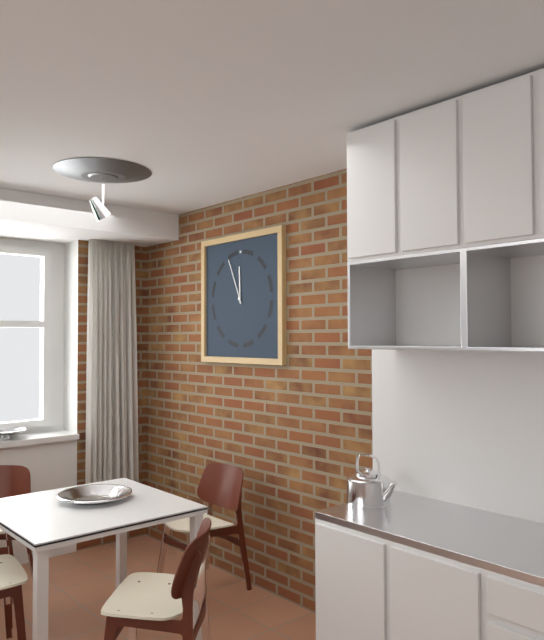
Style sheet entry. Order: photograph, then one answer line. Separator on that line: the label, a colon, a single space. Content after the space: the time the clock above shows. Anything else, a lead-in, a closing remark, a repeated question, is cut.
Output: 11:56
